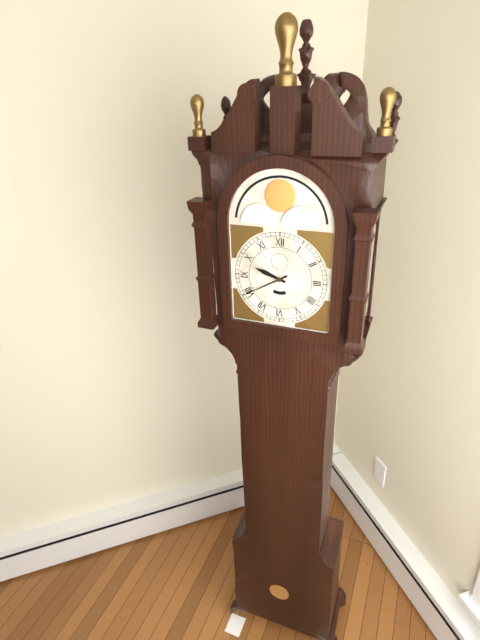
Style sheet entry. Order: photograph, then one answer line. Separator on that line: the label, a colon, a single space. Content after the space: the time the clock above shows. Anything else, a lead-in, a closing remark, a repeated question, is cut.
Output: 9:40
